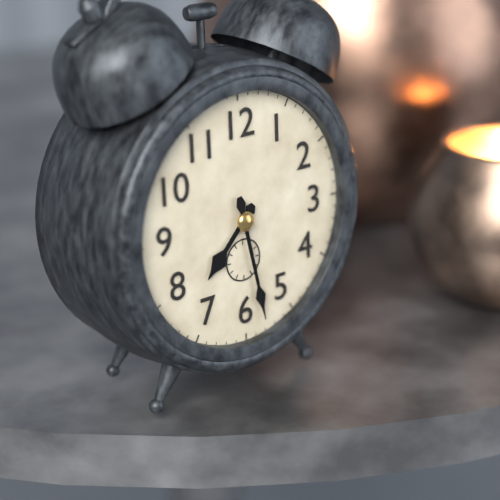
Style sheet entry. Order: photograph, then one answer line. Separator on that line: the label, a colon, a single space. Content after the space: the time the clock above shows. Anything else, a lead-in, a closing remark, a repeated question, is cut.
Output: 7:28
